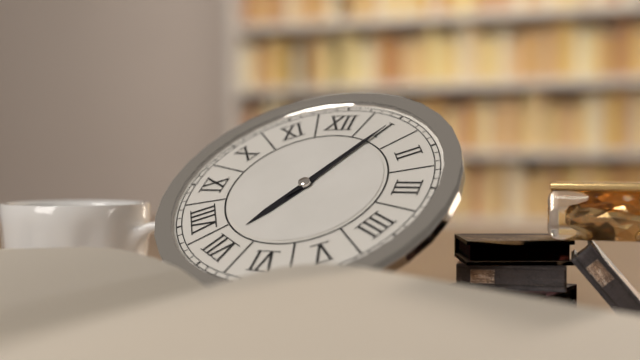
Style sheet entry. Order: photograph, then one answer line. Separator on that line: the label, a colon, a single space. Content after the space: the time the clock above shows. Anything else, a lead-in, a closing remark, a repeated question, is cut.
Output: 7:05
